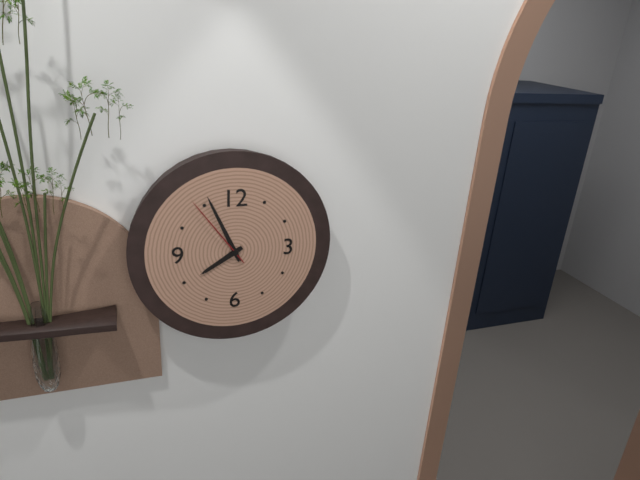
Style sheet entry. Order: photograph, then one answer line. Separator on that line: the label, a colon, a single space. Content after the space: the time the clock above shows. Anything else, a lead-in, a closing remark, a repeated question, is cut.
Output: 7:56:54
